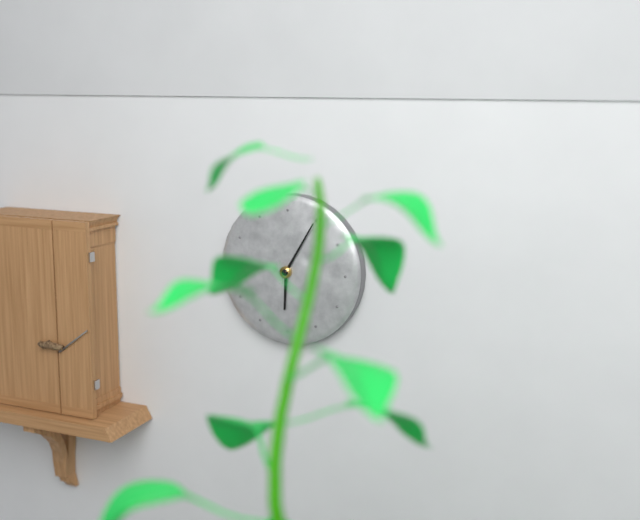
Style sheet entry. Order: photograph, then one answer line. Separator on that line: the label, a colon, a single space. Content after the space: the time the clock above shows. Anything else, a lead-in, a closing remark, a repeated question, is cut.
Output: 6:05
